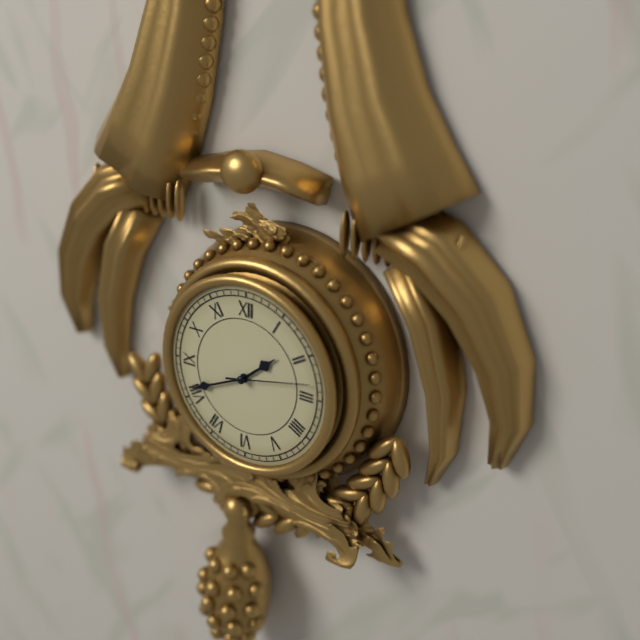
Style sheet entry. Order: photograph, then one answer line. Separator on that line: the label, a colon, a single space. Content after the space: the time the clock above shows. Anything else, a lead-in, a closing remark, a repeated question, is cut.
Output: 1:41:13
